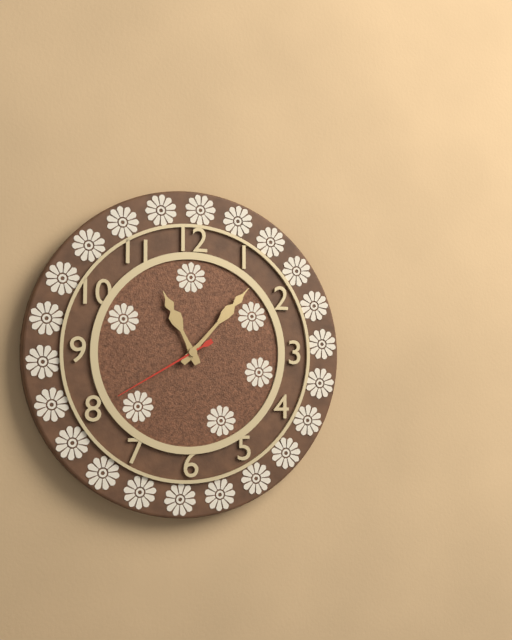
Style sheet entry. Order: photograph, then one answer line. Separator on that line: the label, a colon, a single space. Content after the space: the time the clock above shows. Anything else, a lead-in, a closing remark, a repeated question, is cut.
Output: 11:07:40
